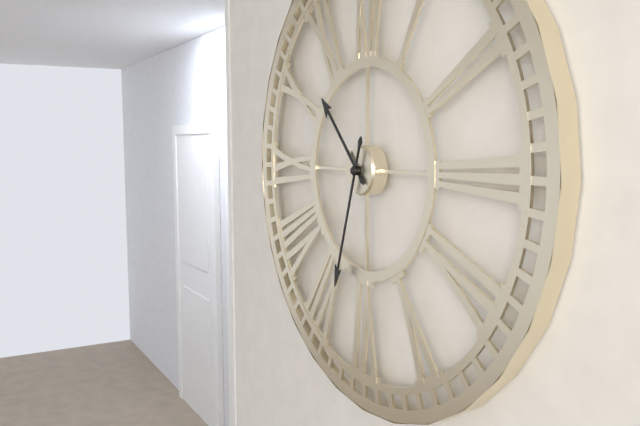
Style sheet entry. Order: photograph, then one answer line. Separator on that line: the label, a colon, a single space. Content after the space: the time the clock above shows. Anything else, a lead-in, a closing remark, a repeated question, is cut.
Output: 10:33
